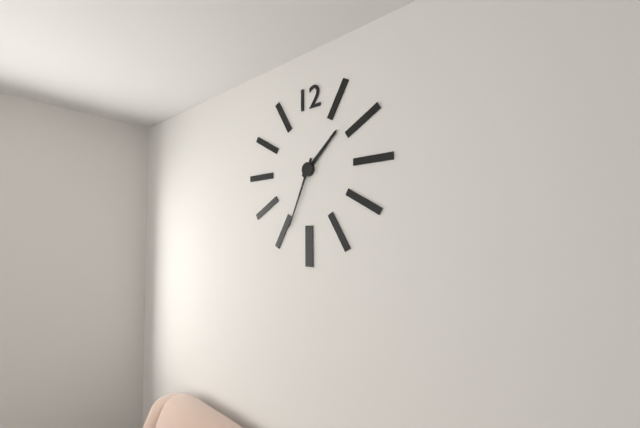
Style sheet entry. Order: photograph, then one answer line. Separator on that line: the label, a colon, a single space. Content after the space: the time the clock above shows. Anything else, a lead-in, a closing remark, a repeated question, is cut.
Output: 1:34
